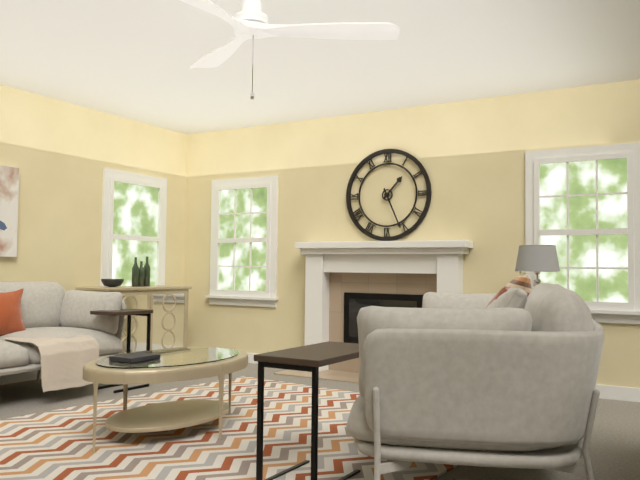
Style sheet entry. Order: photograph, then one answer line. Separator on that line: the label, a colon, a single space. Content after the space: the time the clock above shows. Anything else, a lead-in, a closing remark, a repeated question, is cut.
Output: 1:26
